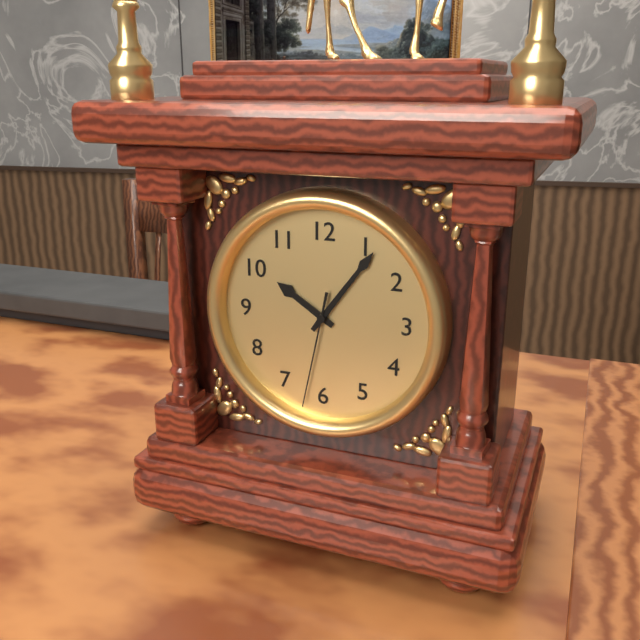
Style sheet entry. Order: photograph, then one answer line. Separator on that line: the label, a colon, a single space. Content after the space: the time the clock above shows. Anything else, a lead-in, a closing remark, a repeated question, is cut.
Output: 10:06:32
